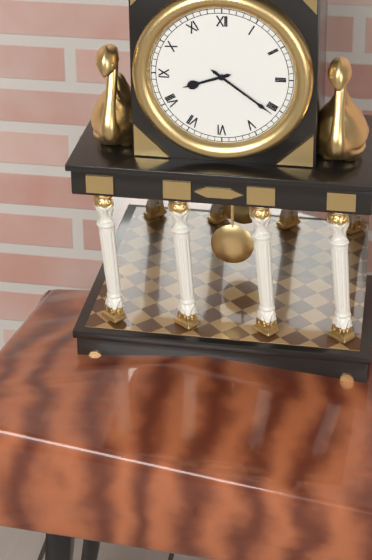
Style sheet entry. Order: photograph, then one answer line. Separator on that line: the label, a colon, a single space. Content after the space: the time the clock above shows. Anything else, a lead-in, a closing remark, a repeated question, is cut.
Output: 8:21
